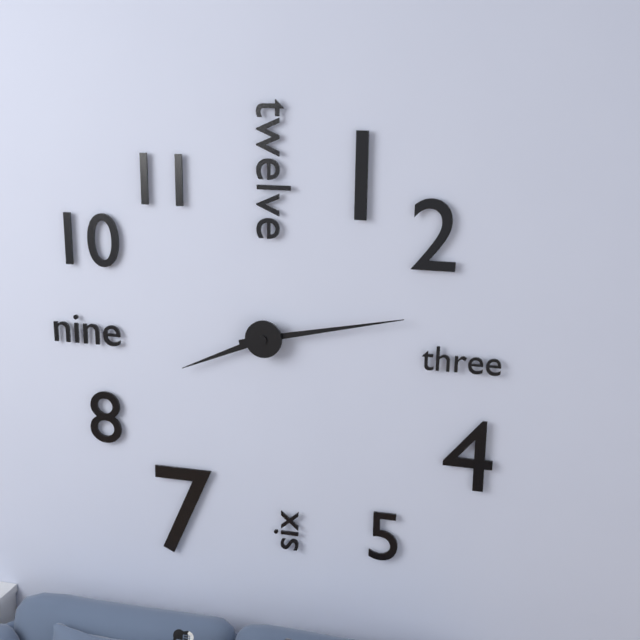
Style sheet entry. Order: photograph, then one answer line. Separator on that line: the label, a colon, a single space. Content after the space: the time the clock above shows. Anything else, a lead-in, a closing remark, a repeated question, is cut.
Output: 8:13
